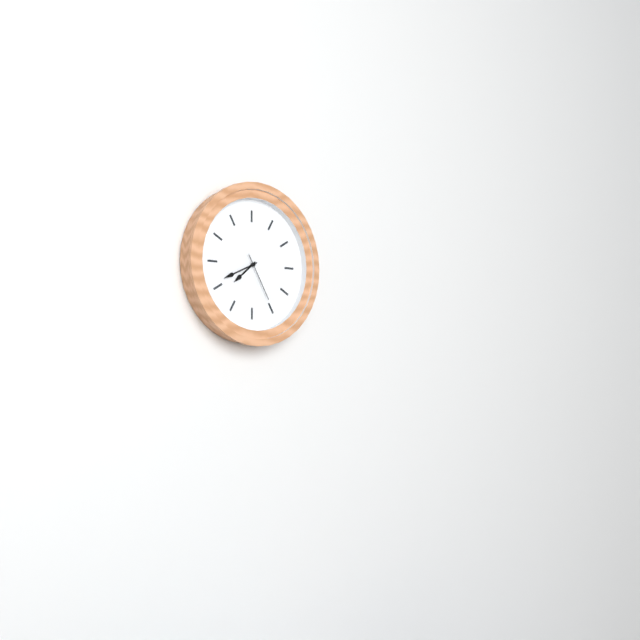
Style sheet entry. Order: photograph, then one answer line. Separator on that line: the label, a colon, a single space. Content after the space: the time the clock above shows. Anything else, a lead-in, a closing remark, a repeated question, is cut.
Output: 7:41
